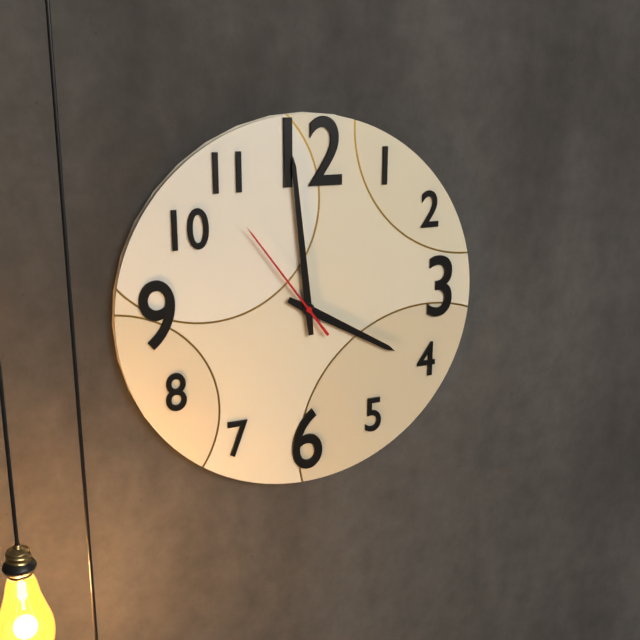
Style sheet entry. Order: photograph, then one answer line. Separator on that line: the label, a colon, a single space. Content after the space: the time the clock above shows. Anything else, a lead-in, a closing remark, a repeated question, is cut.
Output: 3:59:54
